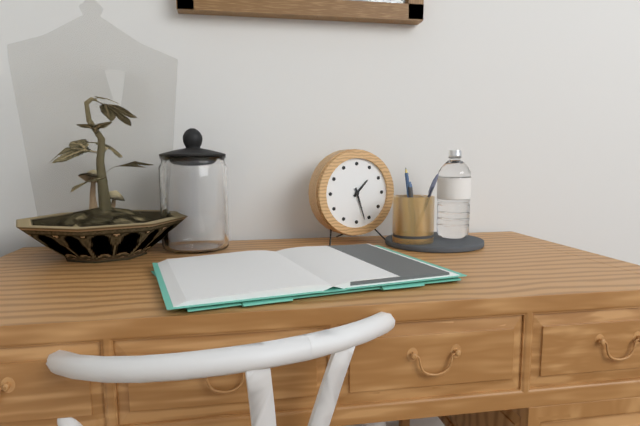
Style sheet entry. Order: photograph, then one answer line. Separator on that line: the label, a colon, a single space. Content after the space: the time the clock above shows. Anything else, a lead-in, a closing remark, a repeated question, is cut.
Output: 1:27
